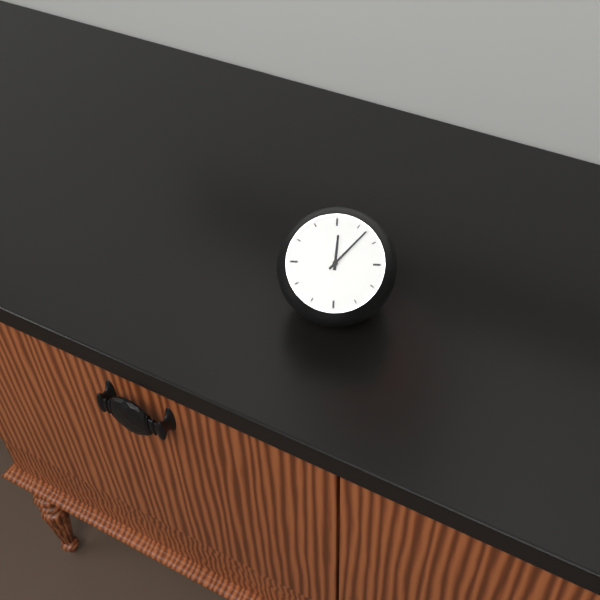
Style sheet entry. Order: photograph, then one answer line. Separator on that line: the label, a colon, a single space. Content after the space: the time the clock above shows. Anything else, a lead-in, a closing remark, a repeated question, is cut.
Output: 12:07
